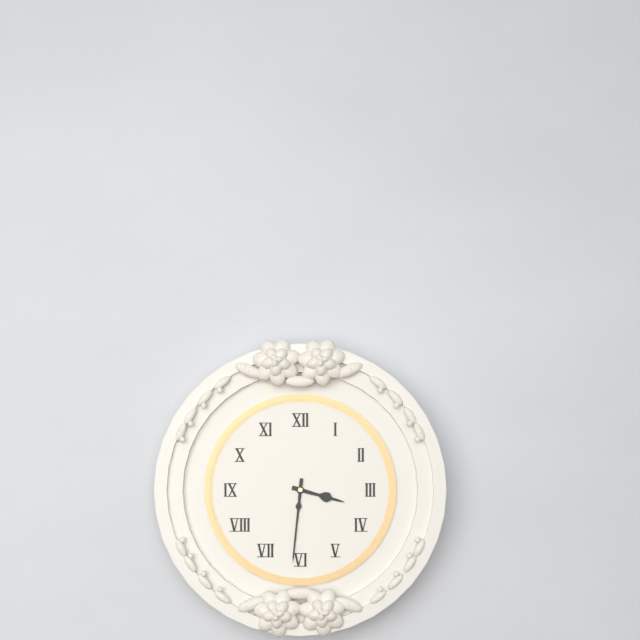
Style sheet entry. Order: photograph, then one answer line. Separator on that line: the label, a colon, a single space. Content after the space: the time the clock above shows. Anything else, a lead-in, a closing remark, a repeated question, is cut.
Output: 3:31
